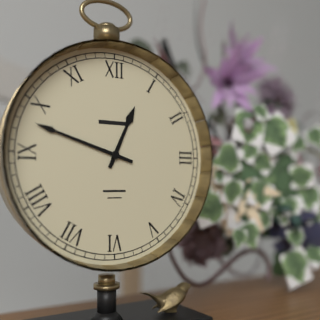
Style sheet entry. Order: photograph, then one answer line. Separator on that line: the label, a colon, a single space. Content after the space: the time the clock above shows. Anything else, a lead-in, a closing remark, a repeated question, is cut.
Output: 12:48
